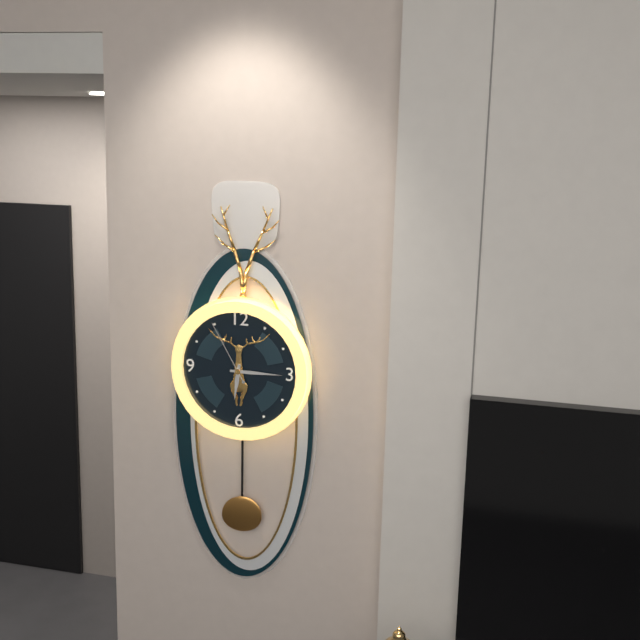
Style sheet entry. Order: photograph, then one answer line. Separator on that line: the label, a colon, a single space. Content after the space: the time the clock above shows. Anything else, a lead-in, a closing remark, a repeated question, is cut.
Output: 6:15:55
